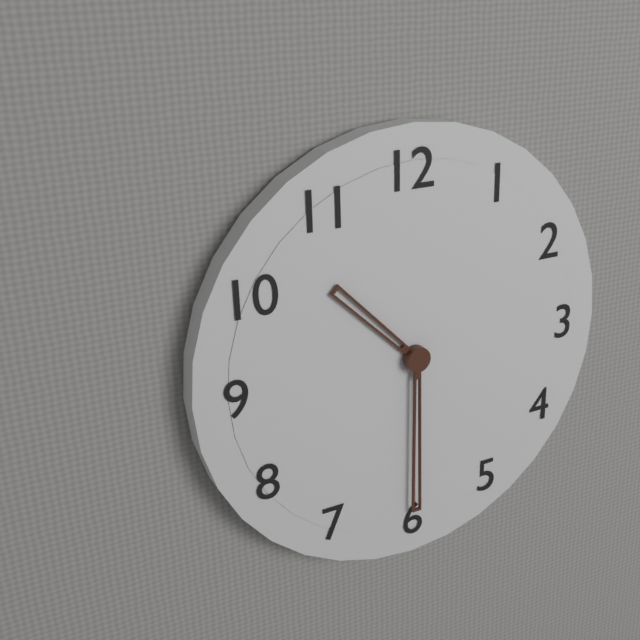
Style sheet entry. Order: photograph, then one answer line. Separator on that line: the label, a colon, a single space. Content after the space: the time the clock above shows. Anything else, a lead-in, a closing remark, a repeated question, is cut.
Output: 10:30
